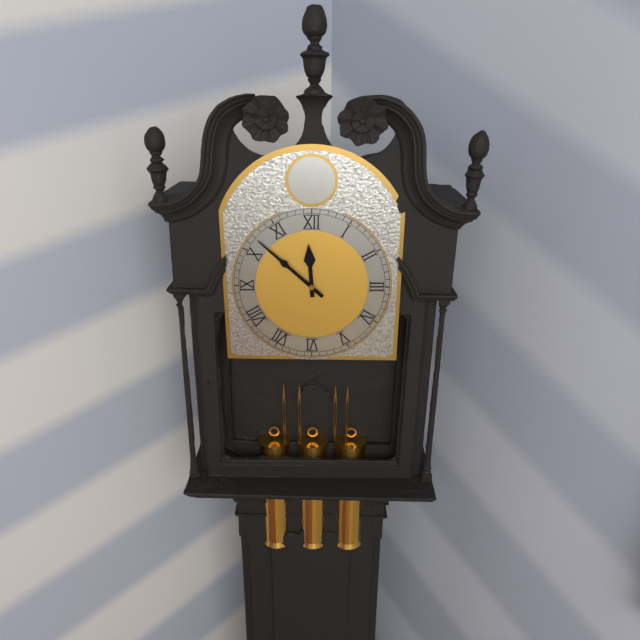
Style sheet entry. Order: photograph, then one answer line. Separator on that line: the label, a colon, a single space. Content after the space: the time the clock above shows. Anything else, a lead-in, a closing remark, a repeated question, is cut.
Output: 11:52
